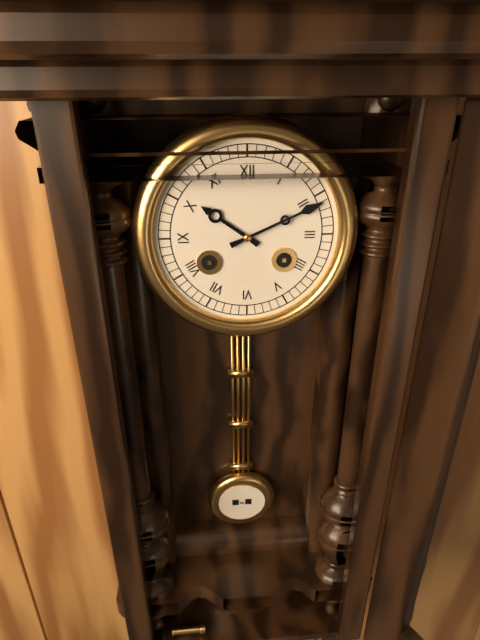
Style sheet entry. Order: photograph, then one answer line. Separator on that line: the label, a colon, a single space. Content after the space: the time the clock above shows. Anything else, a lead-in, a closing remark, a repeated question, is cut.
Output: 10:11
